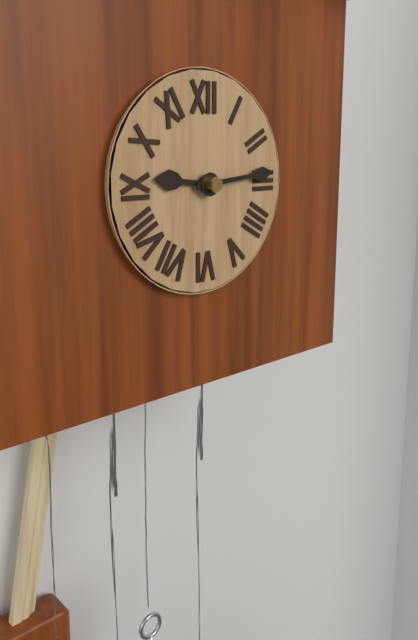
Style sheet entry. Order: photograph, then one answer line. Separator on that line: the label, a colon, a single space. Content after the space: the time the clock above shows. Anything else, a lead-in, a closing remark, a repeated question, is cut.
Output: 9:14
